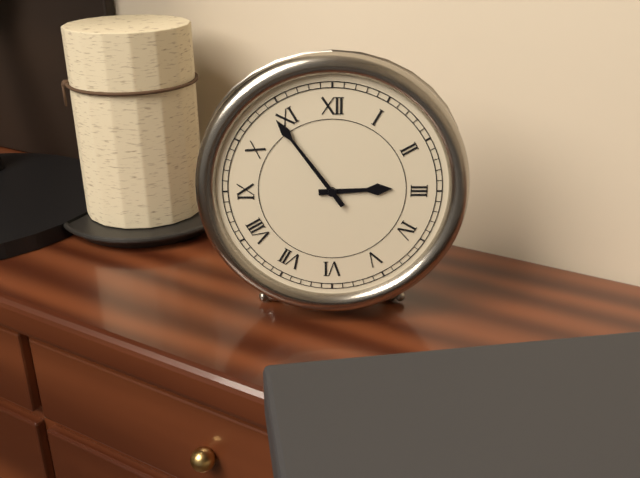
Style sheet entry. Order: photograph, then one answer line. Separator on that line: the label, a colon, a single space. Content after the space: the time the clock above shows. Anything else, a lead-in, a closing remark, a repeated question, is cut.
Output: 2:54
